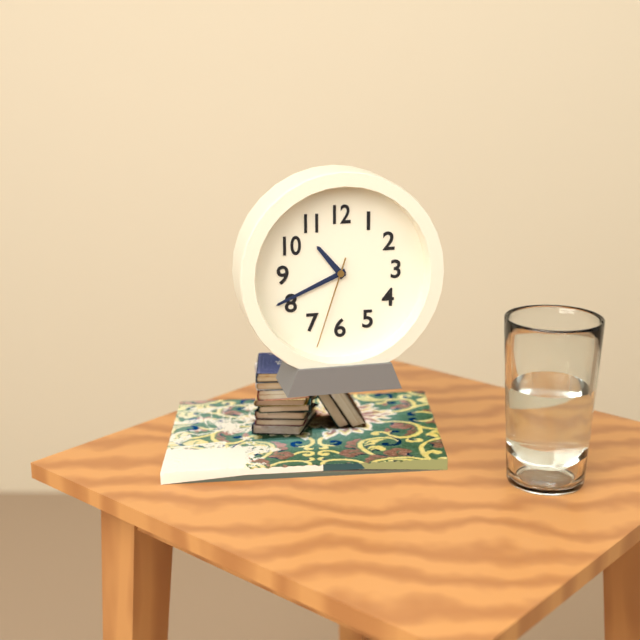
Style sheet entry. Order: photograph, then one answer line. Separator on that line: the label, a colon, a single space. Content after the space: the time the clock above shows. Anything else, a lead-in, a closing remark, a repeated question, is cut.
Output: 10:41:33
